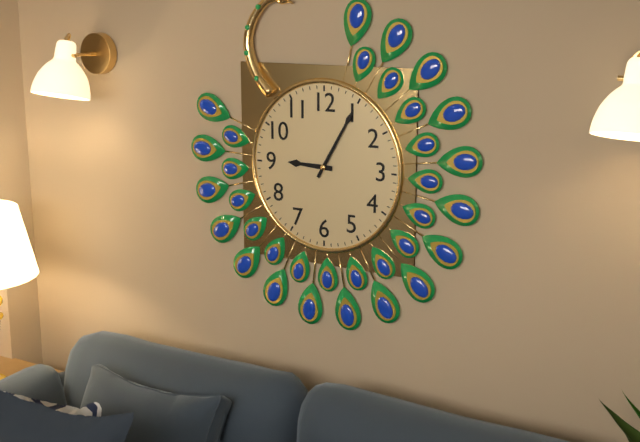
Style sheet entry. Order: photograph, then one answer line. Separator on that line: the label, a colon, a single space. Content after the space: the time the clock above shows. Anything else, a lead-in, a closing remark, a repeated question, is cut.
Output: 9:05
